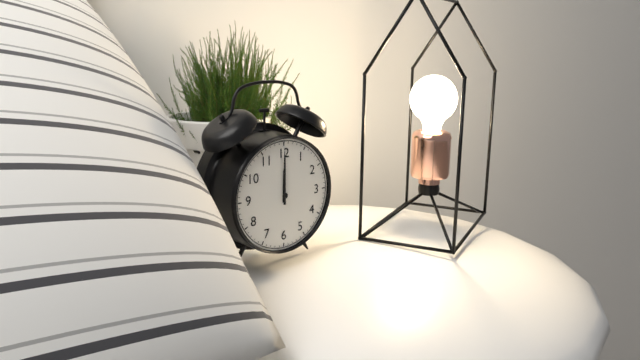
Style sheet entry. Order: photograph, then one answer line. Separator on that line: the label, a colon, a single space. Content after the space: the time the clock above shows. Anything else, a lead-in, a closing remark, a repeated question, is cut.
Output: 12:00
